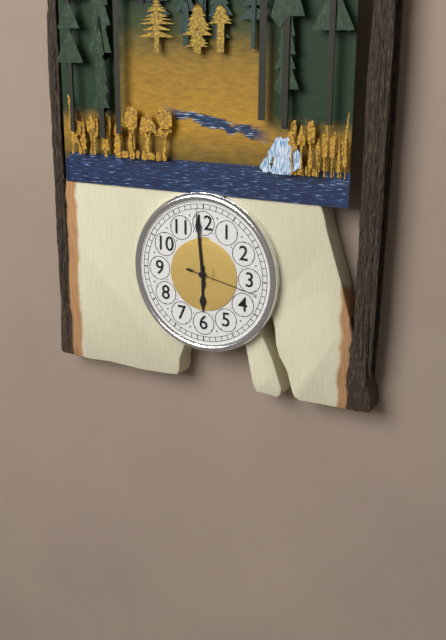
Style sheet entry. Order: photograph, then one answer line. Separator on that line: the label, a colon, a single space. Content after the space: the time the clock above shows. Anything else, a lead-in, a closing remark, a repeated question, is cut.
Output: 5:59:17
